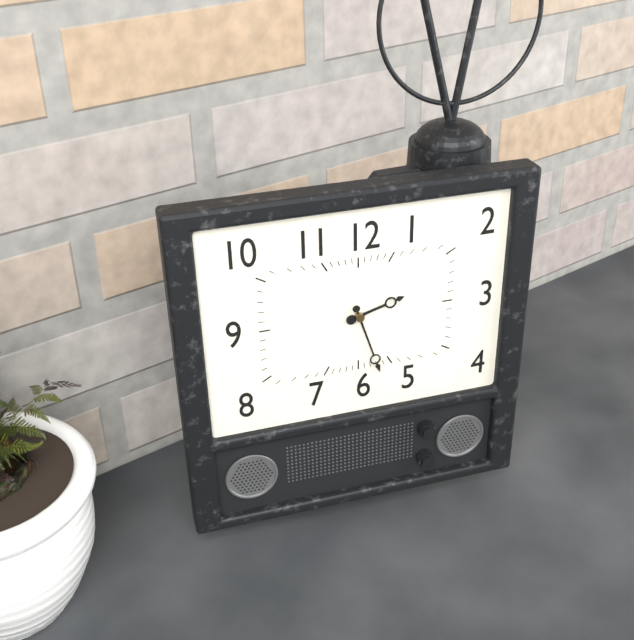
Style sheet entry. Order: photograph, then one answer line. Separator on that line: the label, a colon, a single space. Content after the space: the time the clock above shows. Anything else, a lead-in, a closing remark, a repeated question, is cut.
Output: 2:27
